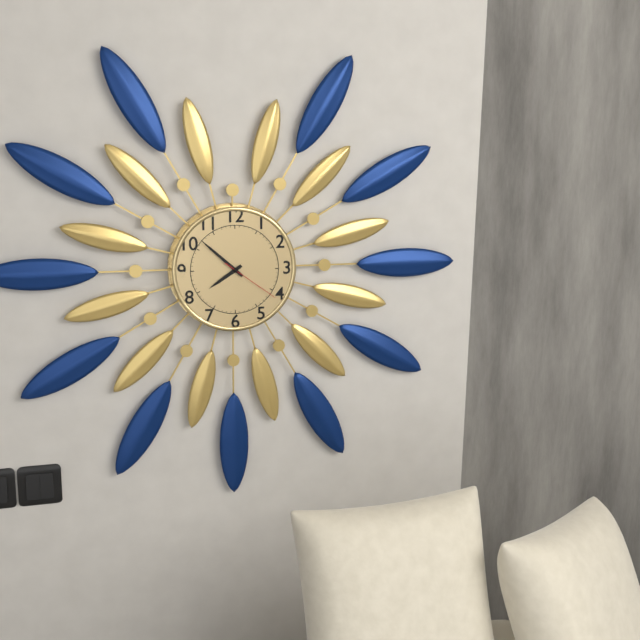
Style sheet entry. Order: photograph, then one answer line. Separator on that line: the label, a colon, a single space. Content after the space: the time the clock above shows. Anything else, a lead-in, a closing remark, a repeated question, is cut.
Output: 7:52:21
